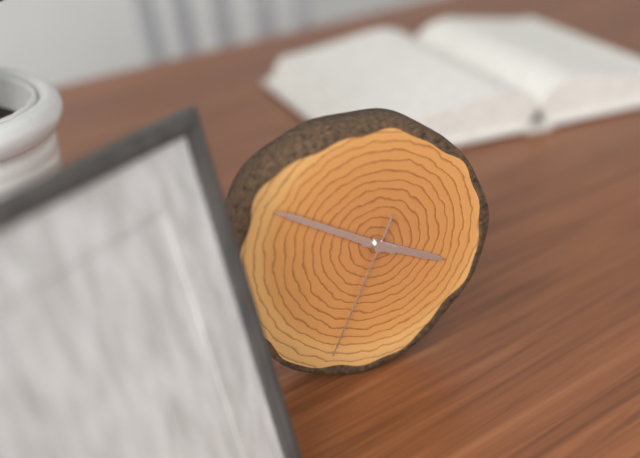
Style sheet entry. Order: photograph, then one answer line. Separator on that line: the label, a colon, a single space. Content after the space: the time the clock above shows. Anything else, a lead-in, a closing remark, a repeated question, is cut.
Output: 3:50:34
